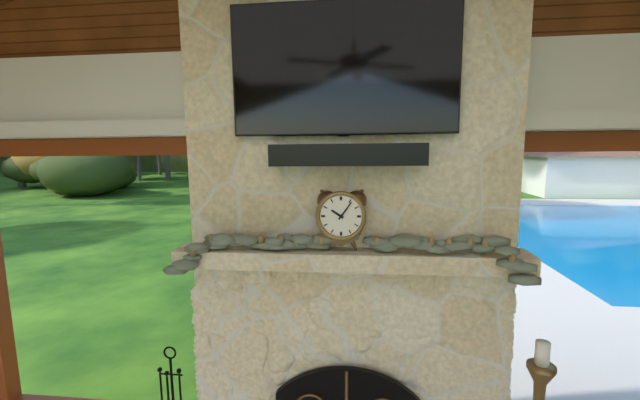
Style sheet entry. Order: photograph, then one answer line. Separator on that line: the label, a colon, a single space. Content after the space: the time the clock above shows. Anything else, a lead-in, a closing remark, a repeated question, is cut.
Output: 10:06
